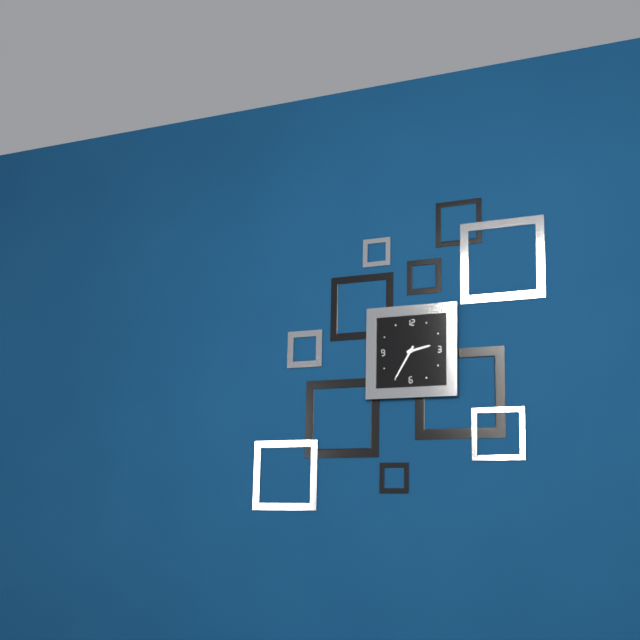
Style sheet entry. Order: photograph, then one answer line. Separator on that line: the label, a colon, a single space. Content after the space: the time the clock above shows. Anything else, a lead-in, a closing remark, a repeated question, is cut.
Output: 2:35
